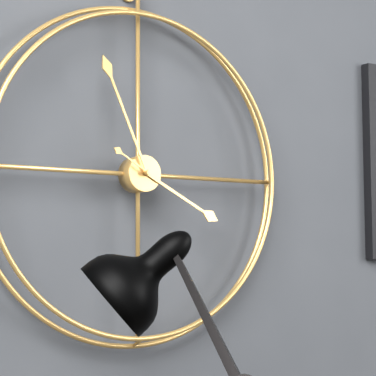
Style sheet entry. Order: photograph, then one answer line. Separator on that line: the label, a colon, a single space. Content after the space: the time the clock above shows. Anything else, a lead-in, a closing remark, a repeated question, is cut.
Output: 3:56:50
